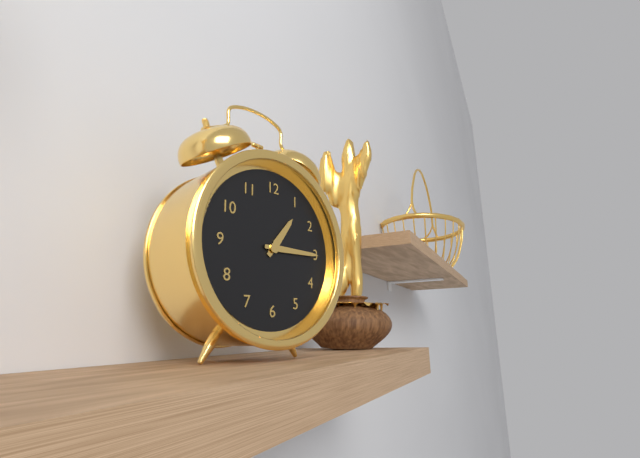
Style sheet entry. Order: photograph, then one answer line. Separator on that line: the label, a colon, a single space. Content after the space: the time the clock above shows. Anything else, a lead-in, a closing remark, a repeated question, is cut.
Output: 1:15
